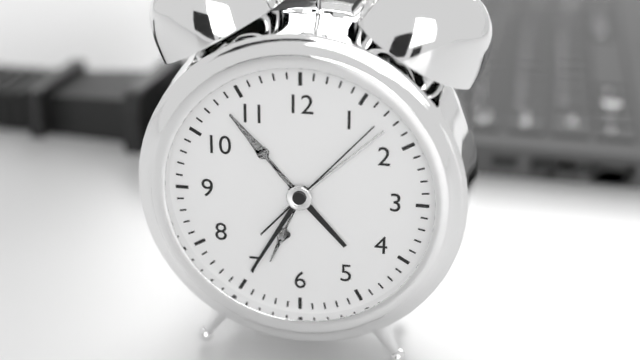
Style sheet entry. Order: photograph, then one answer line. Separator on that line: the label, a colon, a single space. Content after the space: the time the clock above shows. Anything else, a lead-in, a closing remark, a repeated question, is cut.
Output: 4:35:07
